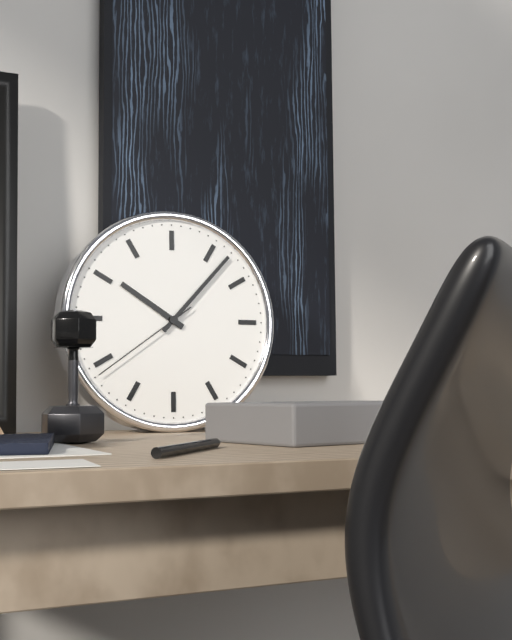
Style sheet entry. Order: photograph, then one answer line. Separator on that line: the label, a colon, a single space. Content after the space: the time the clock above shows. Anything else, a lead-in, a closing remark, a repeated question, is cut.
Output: 10:07:39
